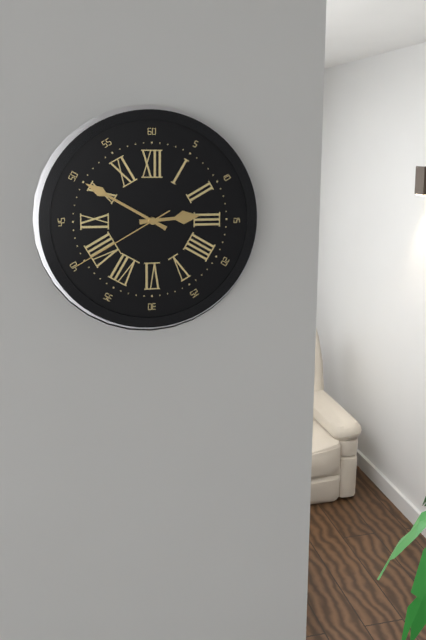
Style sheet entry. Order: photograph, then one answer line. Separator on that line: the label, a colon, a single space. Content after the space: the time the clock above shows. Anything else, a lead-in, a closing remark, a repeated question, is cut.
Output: 2:50:40
